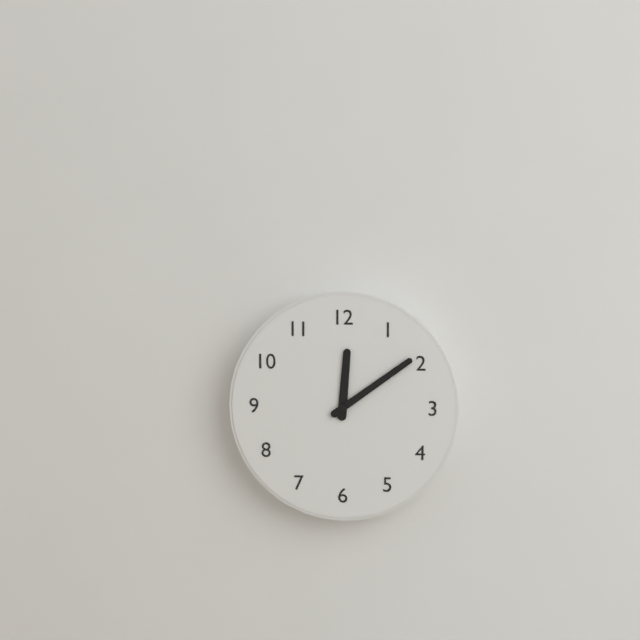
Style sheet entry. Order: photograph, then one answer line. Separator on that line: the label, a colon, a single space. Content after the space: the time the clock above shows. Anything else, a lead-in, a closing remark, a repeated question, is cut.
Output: 12:09
